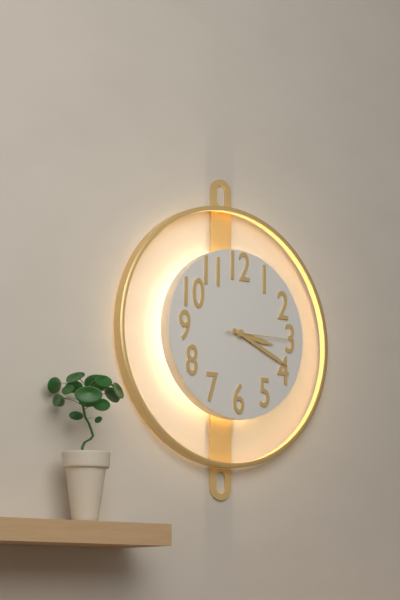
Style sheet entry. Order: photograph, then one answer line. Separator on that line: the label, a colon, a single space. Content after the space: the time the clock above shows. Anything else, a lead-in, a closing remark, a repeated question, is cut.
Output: 3:19:15
